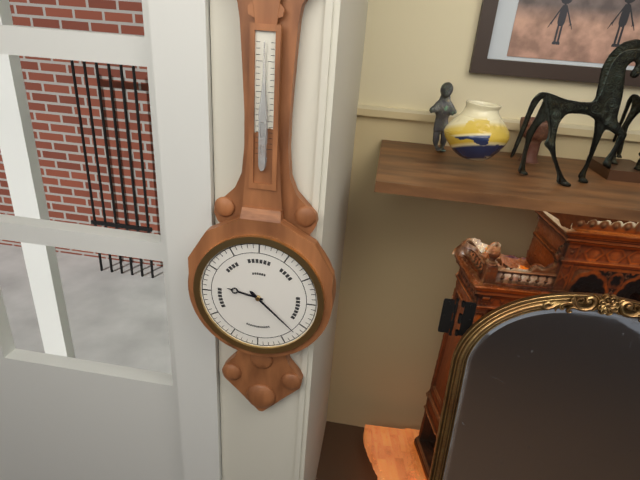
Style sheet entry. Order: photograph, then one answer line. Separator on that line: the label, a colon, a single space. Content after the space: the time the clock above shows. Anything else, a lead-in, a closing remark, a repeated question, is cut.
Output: 9:22
